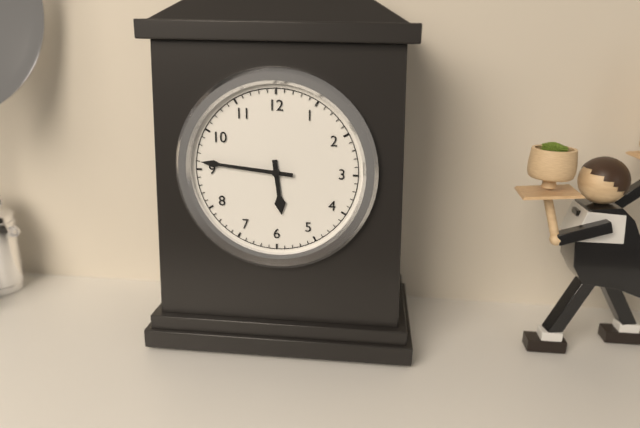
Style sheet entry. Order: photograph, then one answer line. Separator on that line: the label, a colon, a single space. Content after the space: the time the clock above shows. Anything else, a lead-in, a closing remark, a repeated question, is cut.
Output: 5:46
